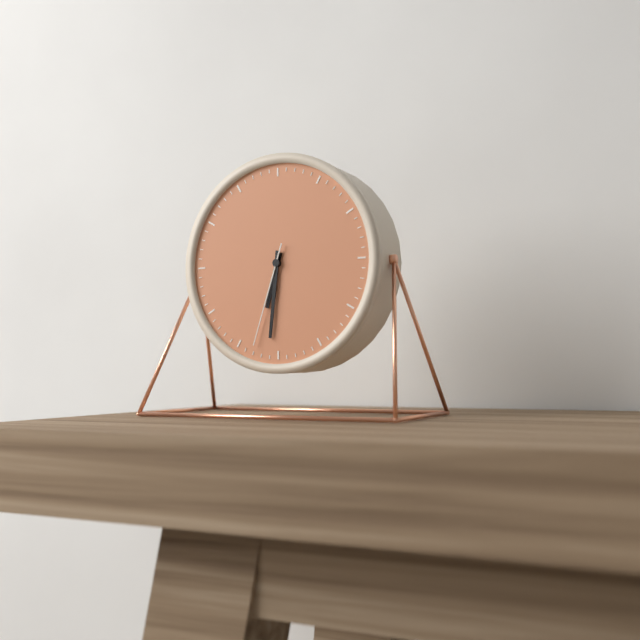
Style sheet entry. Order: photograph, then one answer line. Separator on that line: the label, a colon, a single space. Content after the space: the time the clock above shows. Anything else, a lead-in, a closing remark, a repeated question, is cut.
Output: 6:31:33
